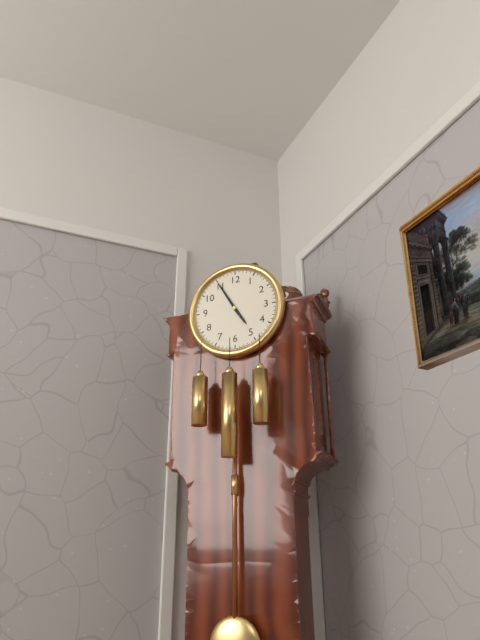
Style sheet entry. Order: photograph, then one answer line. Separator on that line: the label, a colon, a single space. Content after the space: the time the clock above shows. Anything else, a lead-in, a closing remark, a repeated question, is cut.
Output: 4:55
